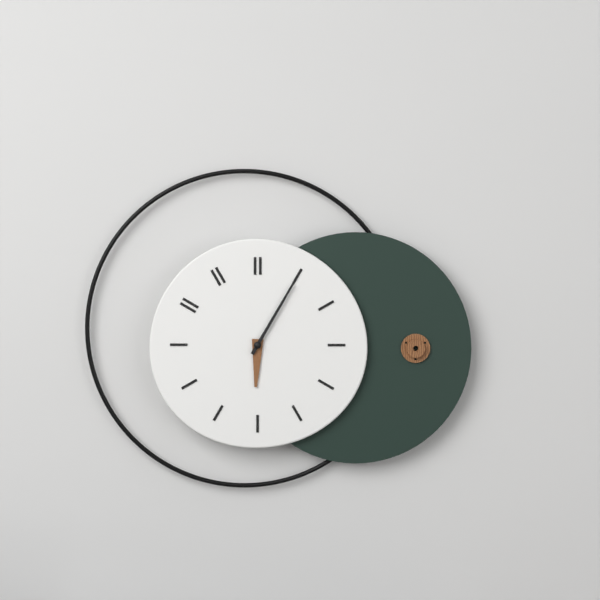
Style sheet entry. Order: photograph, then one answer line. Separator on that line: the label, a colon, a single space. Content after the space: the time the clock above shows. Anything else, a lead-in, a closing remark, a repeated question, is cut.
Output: 6:05
